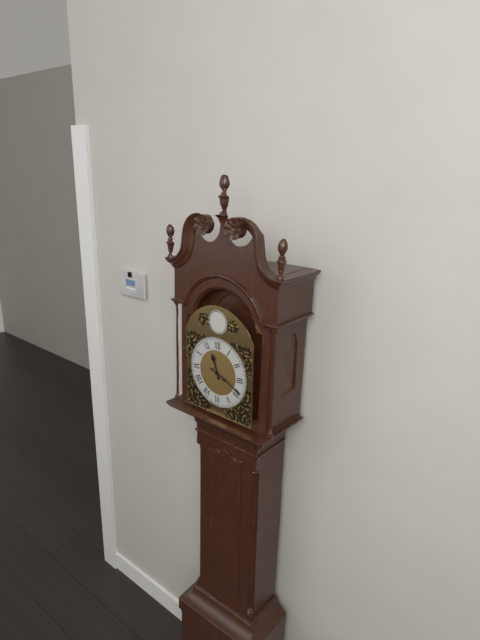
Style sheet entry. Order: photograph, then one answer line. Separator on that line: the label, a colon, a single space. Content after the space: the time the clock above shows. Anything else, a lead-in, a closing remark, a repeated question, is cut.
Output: 11:19
